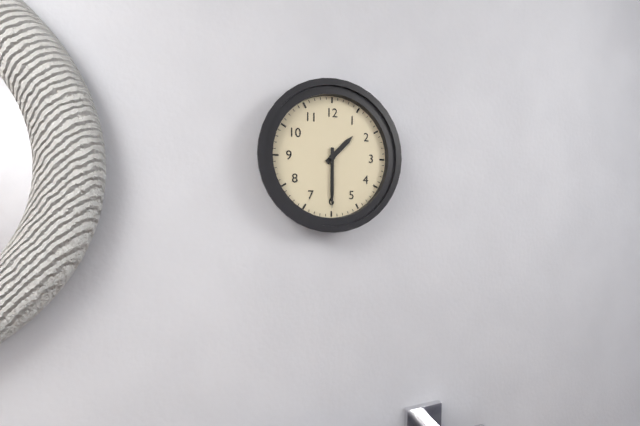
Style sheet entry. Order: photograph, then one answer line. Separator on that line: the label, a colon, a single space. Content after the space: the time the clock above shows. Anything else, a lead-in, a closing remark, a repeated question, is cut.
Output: 1:30
